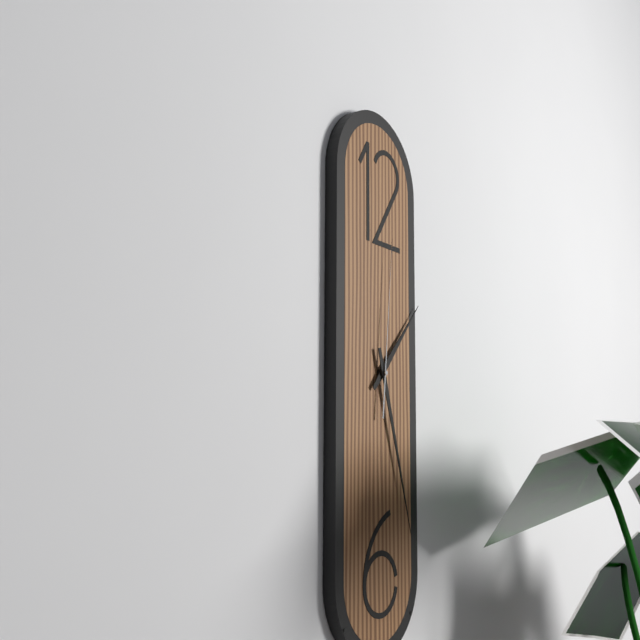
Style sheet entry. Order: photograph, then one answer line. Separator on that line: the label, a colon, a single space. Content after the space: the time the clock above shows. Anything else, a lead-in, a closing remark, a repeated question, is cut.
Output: 1:27:01
